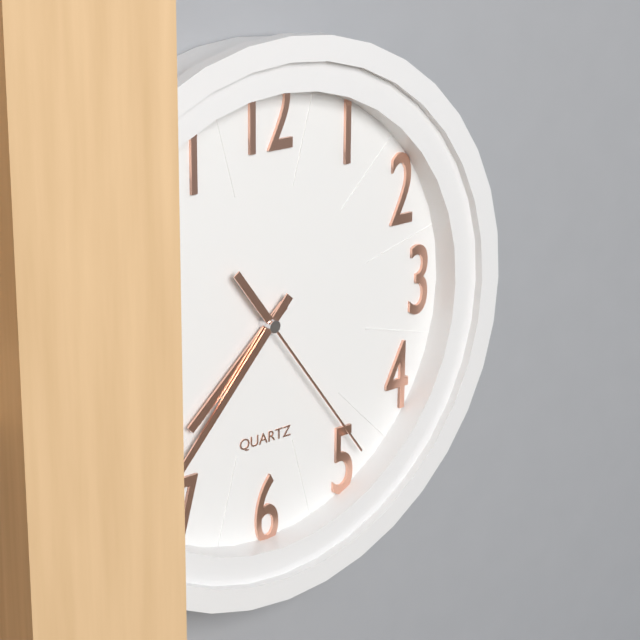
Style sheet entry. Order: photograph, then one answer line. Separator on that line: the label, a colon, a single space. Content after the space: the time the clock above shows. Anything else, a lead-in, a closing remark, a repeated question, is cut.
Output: 7:37:24
